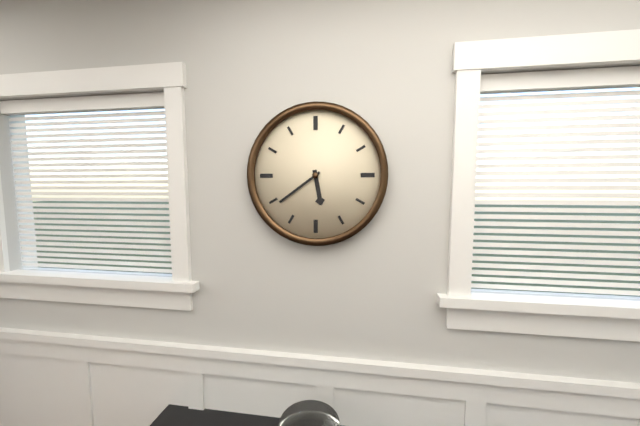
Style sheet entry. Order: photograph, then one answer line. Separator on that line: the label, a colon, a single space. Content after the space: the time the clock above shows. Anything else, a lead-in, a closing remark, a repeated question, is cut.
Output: 5:39
